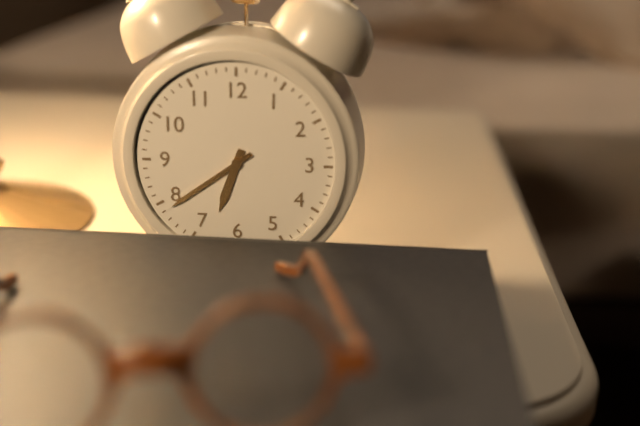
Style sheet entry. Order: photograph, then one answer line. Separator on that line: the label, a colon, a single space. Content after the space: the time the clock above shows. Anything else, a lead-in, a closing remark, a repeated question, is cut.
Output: 6:39
